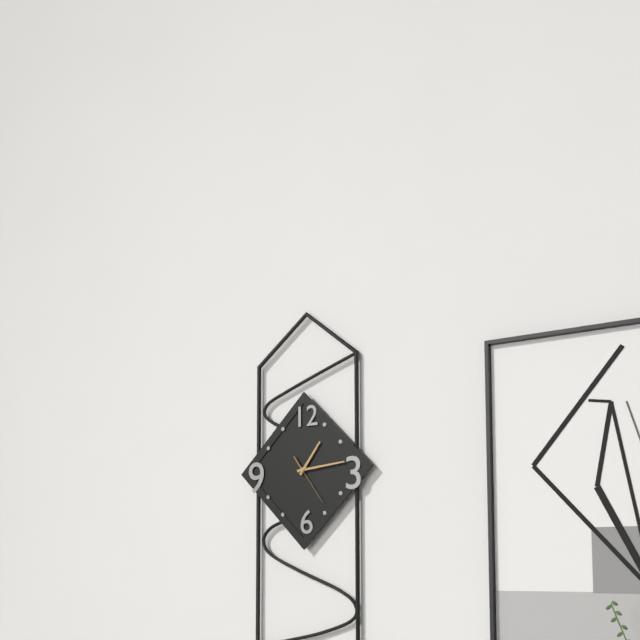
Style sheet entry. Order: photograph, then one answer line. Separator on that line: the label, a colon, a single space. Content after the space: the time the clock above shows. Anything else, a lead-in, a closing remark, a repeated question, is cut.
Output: 1:14
